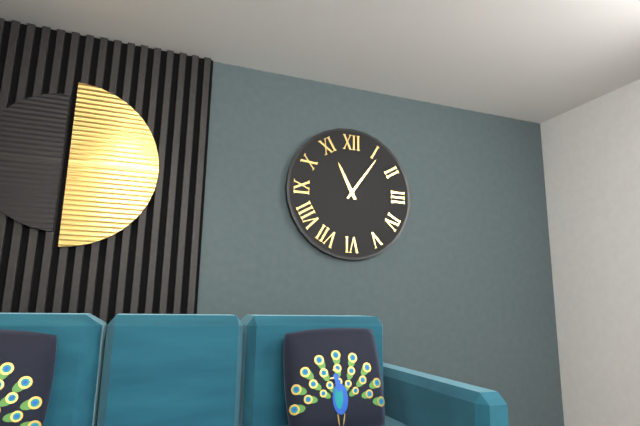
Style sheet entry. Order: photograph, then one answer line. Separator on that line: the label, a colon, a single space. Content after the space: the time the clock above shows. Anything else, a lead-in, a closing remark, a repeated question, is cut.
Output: 11:06
